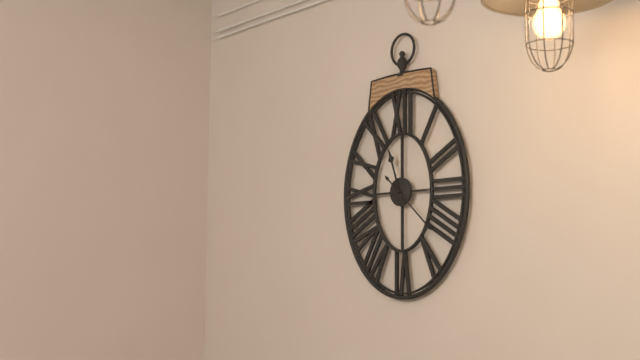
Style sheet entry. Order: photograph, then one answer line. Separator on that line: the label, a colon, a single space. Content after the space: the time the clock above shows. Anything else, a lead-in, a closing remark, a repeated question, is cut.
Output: 11:22
